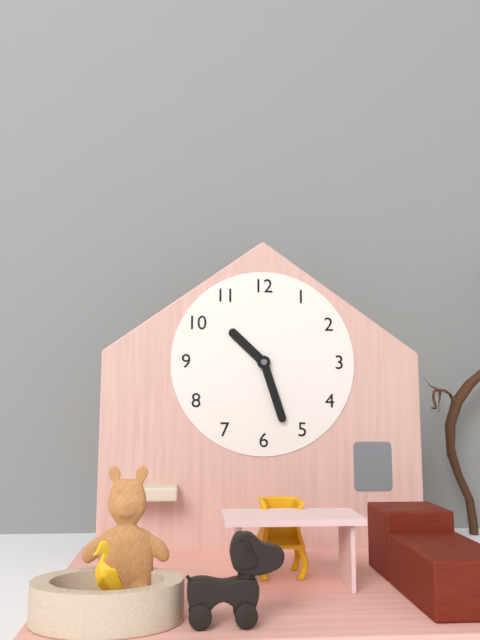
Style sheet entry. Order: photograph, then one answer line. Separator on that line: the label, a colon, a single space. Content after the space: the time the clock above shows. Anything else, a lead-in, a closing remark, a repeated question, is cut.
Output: 10:27
